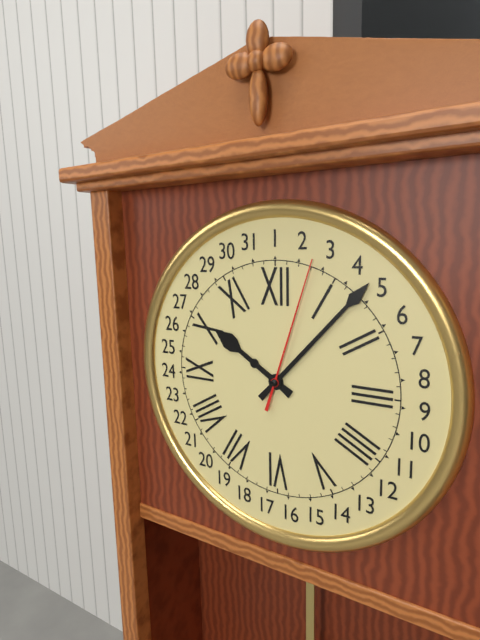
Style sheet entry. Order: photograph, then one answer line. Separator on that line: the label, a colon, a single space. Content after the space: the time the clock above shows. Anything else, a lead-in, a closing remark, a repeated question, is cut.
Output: 10:07:03
